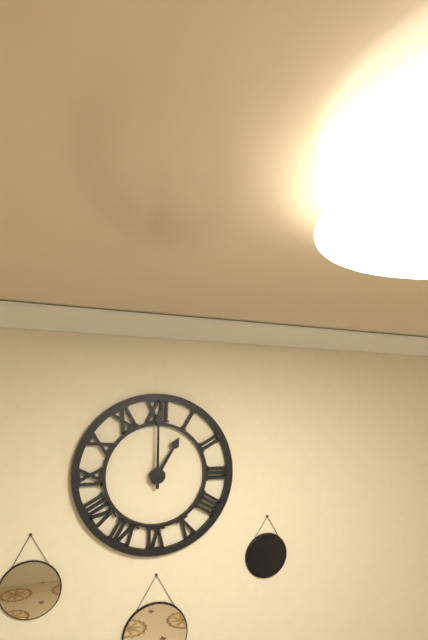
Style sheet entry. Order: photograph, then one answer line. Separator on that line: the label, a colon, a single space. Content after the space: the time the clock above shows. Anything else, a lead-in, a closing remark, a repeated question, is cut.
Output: 1:00
